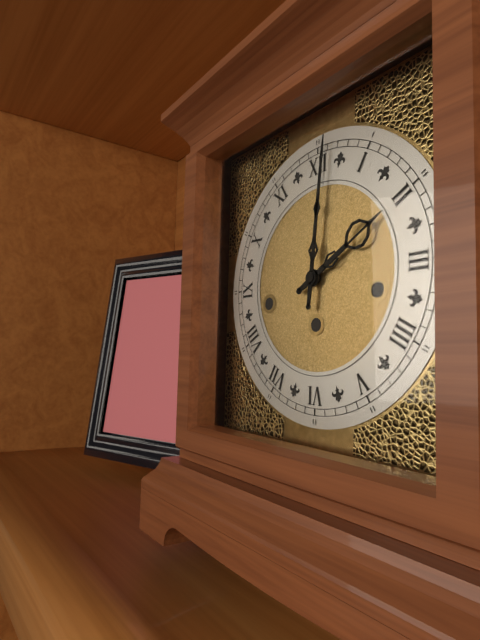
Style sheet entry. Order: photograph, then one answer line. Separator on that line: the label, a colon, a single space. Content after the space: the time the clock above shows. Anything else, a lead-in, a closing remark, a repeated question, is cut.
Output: 2:01
